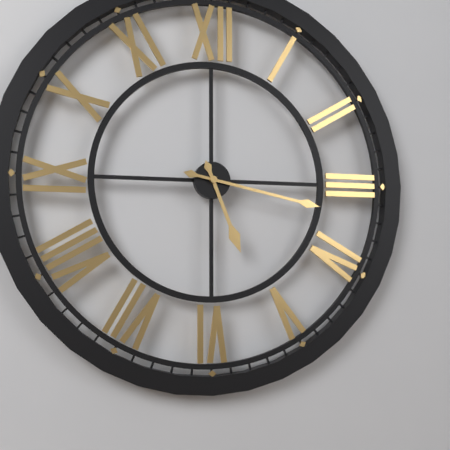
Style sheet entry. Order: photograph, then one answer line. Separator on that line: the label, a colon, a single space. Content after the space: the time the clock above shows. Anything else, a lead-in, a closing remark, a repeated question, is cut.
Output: 5:17
